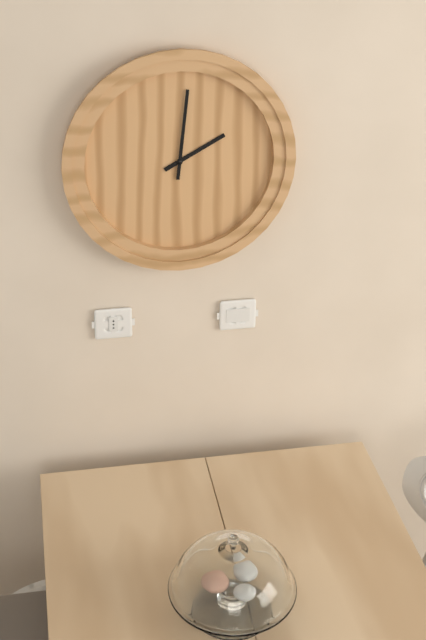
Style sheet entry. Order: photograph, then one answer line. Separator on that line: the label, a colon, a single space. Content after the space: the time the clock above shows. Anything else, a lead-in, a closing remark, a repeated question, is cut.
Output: 2:01
